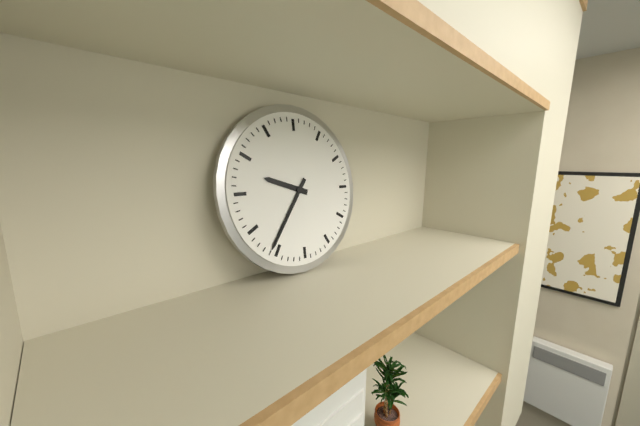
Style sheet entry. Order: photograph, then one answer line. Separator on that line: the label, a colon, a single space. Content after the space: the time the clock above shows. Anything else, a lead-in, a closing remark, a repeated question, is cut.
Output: 9:36
